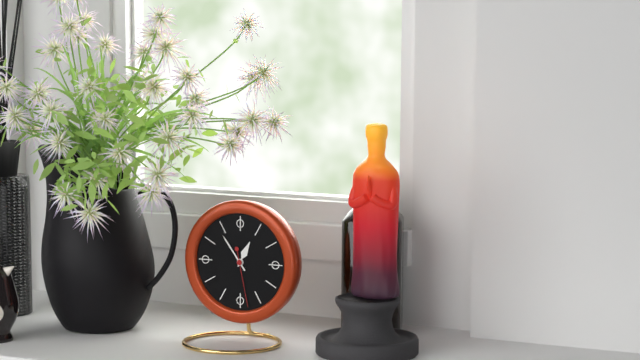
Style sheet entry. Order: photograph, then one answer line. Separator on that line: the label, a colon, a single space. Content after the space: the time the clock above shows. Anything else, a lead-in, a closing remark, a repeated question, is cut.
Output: 12:54:28
